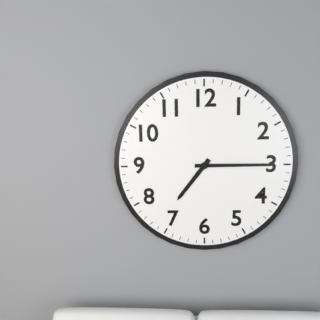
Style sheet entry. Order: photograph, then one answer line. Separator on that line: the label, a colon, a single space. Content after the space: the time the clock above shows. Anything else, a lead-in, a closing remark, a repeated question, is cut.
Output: 7:15
